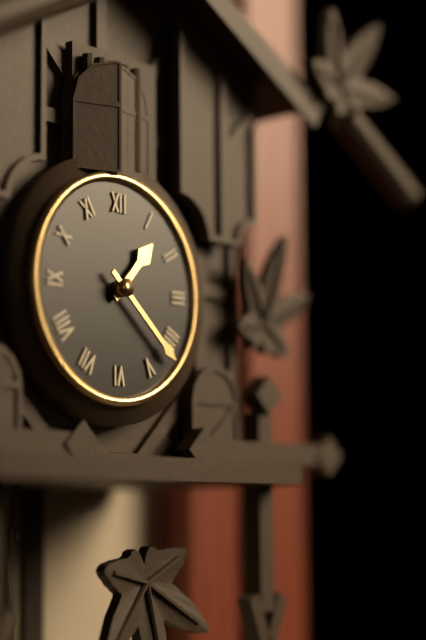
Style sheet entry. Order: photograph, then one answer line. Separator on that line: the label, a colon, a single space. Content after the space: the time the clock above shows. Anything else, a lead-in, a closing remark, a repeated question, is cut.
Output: 1:22
